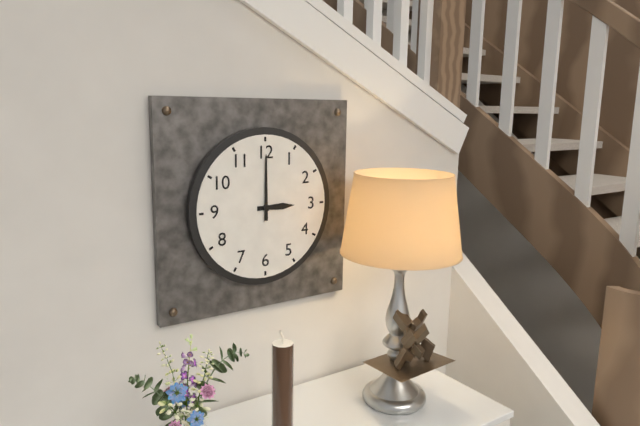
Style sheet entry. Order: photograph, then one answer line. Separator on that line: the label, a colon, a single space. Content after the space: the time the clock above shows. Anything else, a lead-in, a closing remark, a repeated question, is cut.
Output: 3:00
